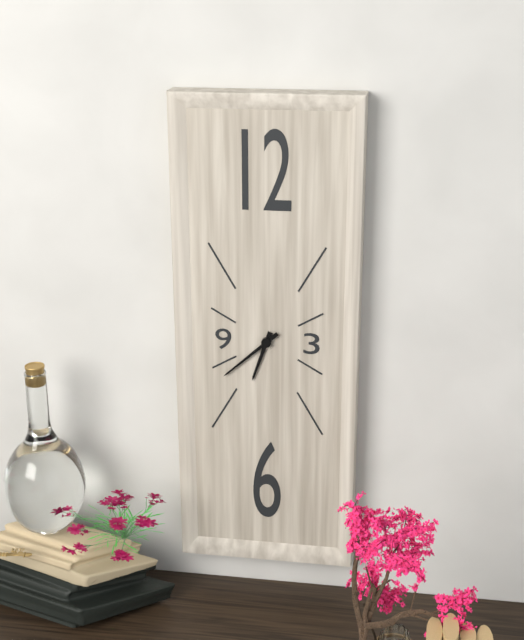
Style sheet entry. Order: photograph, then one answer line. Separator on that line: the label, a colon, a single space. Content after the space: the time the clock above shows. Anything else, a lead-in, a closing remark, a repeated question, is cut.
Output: 6:38
